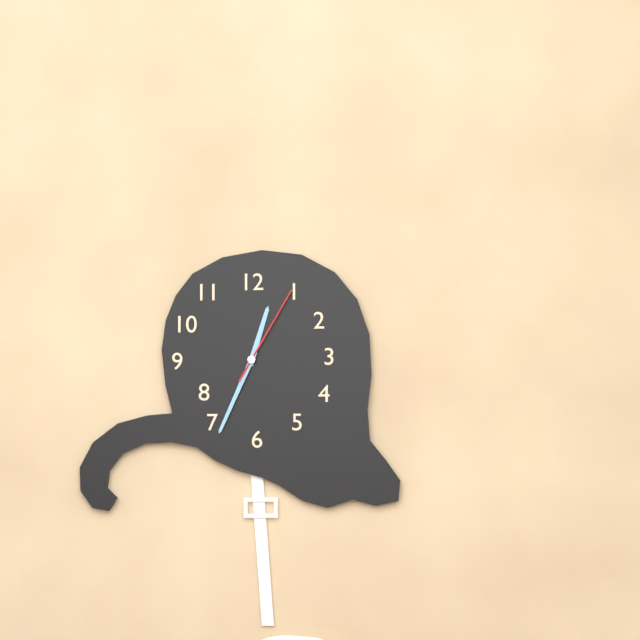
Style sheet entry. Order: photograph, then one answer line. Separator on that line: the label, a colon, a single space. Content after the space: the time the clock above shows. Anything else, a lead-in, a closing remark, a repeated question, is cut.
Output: 12:34:05
